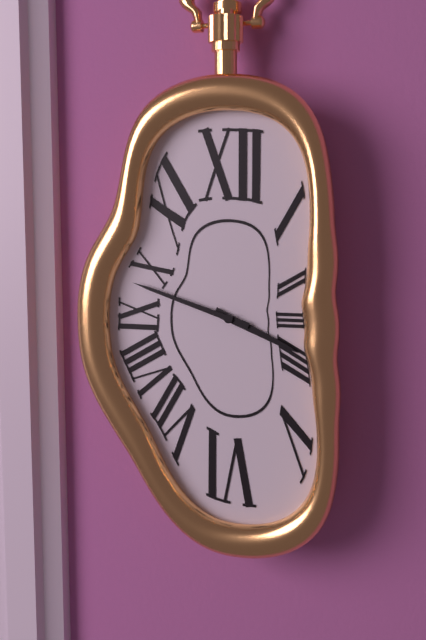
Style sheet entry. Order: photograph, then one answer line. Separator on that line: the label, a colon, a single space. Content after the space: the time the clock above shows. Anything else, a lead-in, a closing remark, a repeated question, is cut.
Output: 3:48
